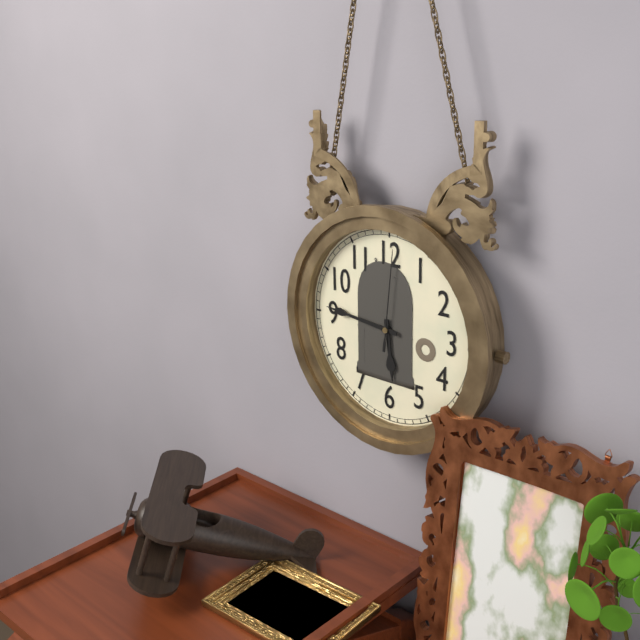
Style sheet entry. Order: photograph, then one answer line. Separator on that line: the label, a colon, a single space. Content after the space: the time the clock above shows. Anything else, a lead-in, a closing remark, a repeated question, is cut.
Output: 5:46:01
